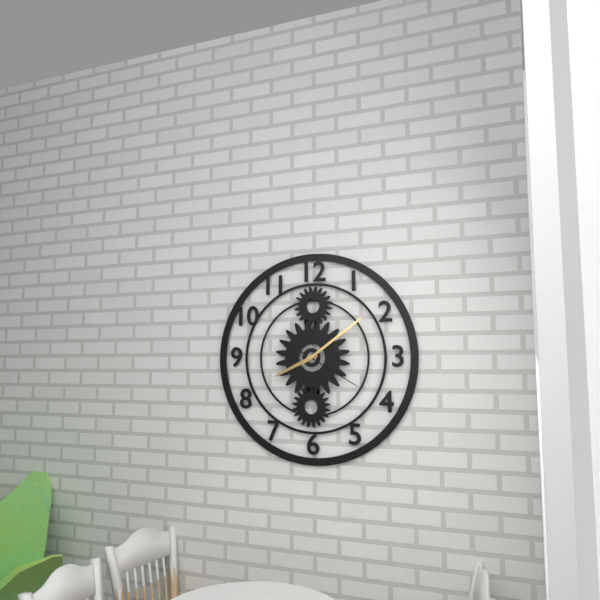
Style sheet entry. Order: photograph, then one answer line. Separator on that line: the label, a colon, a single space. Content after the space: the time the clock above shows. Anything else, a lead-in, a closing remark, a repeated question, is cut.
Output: 8:09:20
